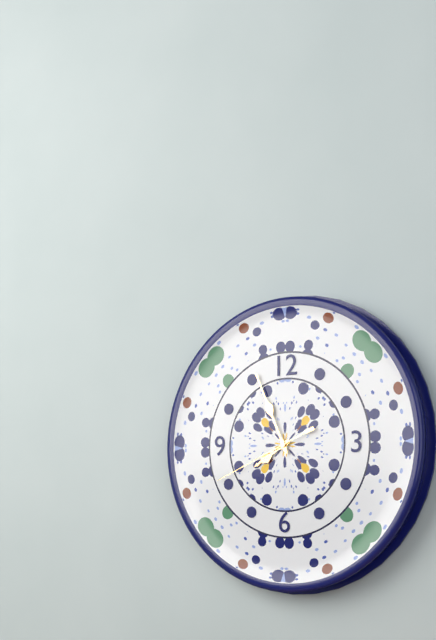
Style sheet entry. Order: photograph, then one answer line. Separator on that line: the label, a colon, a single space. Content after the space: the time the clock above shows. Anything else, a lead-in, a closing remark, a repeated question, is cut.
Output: 7:56:41
